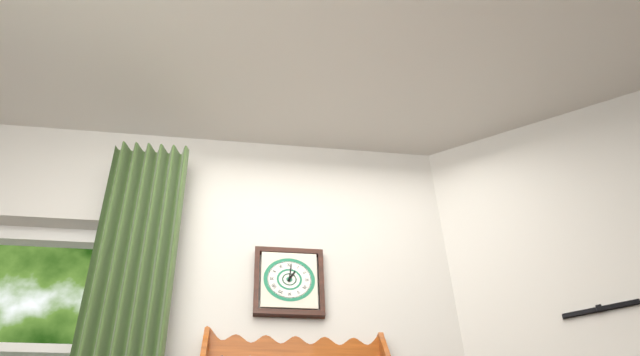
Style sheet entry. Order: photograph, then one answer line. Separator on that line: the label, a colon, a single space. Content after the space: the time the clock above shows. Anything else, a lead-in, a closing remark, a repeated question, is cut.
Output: 1:01
